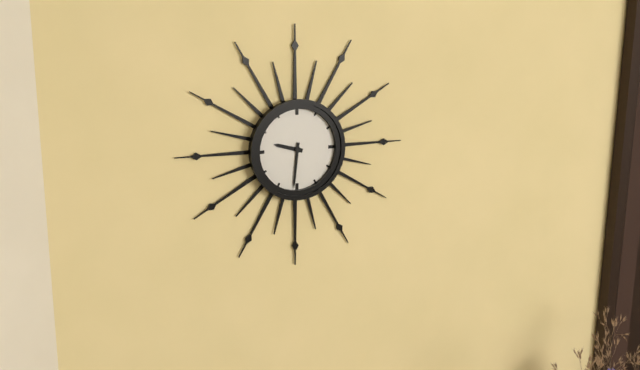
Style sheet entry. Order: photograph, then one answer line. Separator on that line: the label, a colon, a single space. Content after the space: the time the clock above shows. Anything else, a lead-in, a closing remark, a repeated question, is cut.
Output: 9:31
